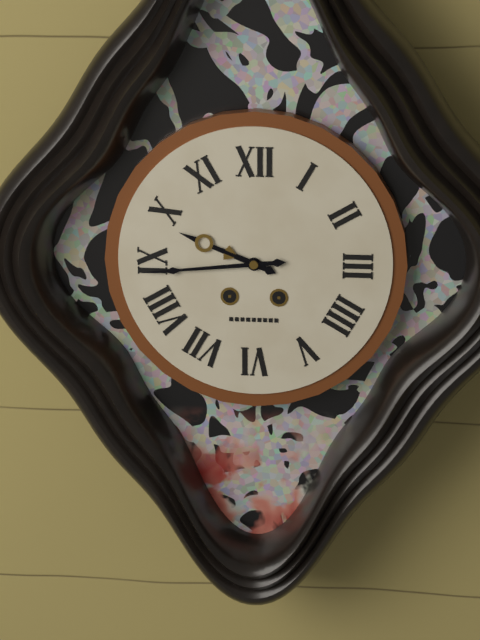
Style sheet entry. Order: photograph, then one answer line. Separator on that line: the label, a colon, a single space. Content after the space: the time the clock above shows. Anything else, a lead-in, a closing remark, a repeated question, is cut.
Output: 9:44
